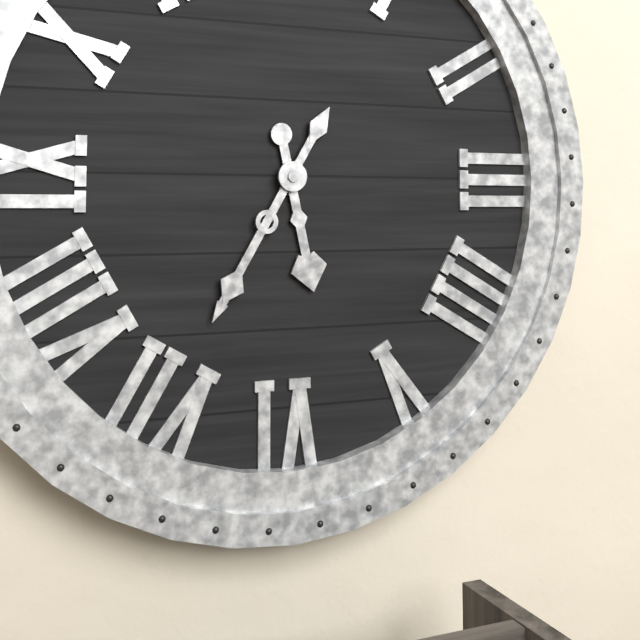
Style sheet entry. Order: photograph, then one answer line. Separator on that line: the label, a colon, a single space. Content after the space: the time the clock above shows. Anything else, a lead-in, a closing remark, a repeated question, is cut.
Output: 5:35
